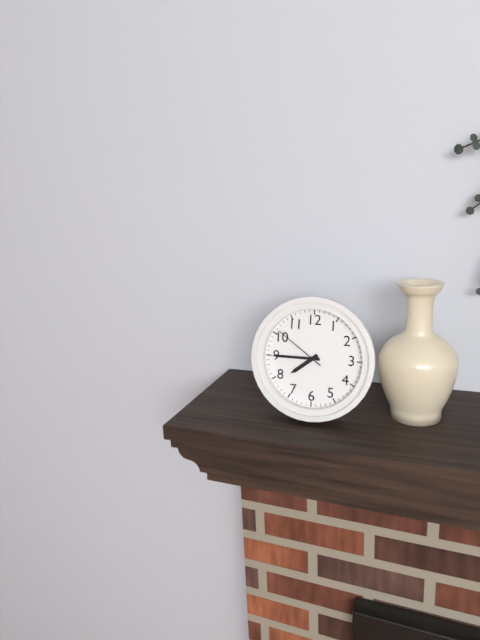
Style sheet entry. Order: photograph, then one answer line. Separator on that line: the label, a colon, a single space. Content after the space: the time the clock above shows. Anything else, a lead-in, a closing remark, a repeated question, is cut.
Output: 7:45:51
